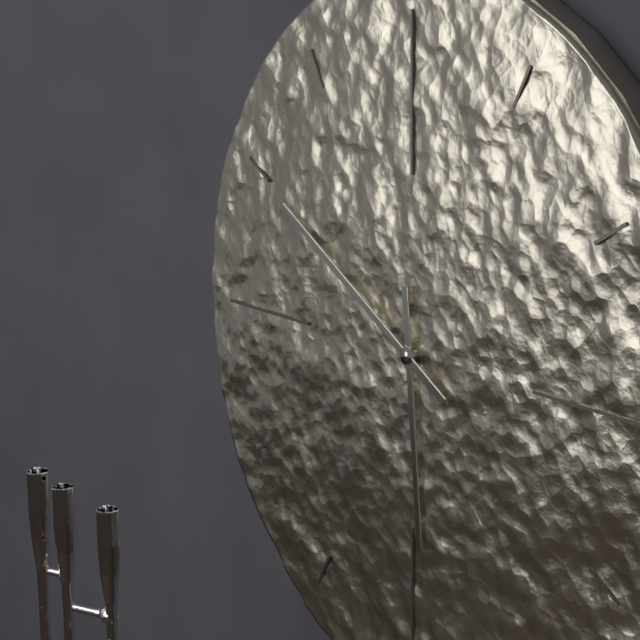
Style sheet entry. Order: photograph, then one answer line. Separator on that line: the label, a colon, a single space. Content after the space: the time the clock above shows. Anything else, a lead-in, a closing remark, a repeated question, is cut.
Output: 5:50
